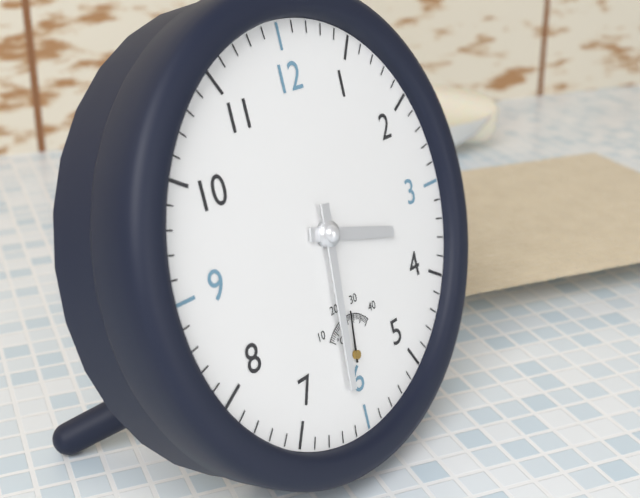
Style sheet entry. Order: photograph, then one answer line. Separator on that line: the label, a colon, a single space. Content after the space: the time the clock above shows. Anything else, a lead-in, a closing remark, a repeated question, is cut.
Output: 3:31
